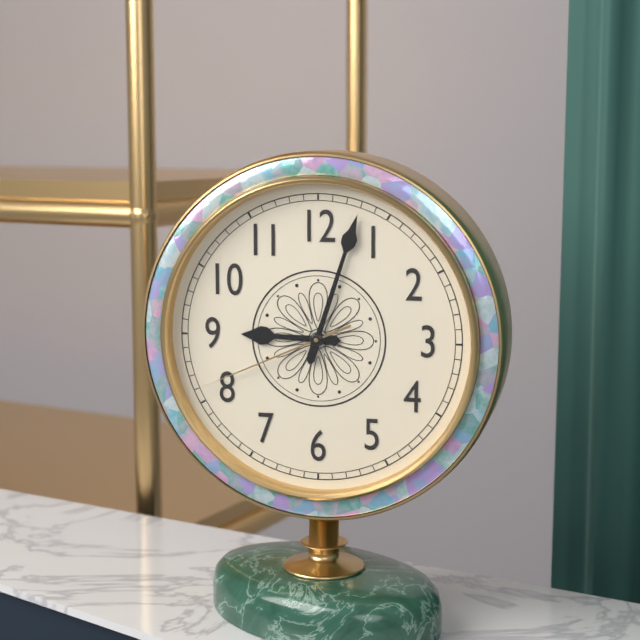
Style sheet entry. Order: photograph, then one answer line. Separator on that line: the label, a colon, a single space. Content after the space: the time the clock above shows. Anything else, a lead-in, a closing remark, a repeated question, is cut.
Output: 9:03:41
